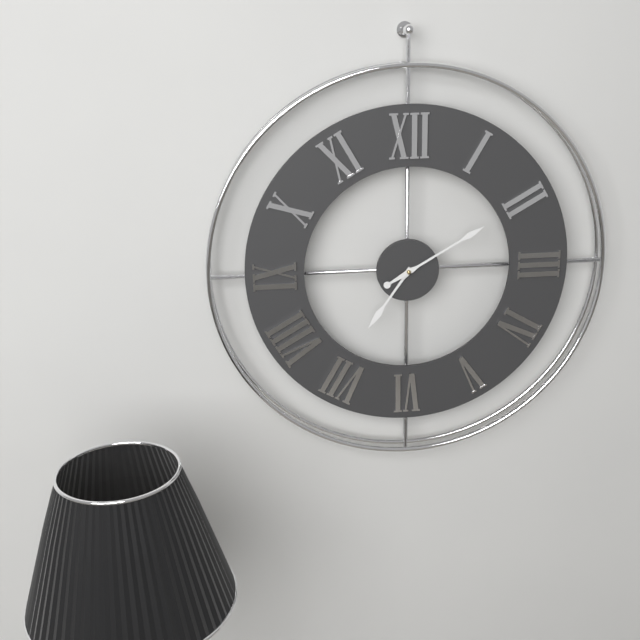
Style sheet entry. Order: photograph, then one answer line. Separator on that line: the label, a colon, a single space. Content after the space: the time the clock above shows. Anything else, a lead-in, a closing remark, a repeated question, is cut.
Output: 7:10
